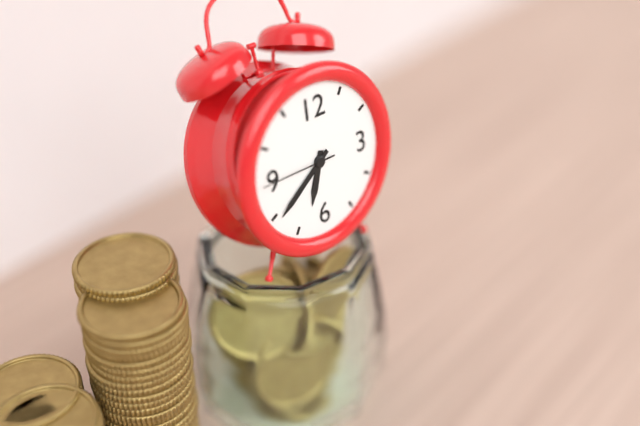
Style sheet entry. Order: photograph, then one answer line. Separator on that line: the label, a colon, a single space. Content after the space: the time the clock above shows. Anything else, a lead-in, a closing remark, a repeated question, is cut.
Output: 6:39:45
